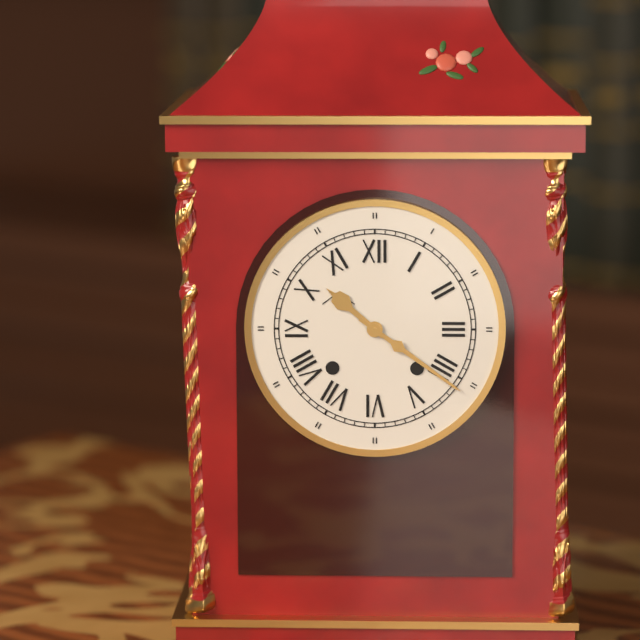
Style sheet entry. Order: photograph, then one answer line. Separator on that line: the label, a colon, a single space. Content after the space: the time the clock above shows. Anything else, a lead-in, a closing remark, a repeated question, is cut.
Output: 10:21
